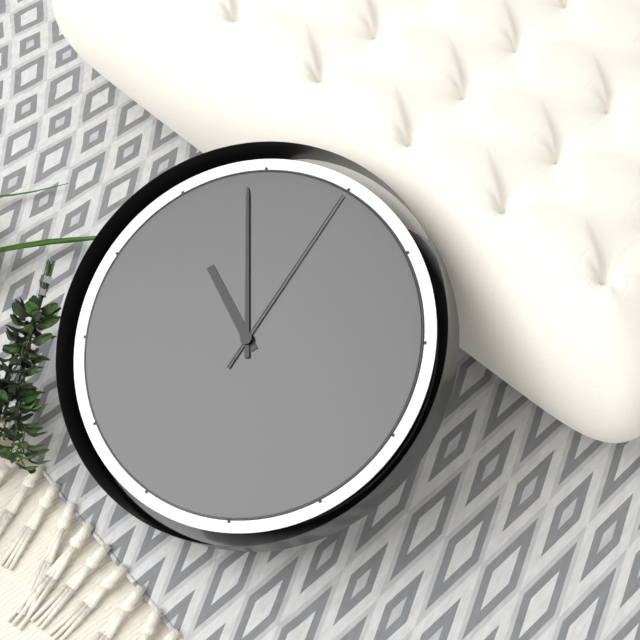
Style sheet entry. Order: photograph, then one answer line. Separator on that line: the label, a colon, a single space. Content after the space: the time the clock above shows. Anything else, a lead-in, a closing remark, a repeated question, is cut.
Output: 9:54:00
